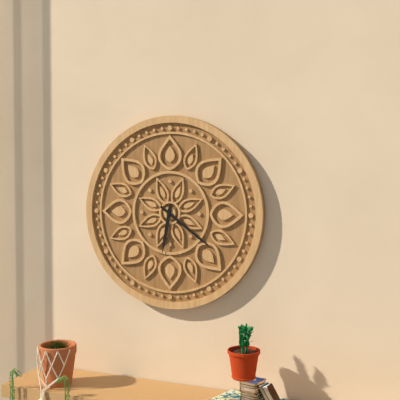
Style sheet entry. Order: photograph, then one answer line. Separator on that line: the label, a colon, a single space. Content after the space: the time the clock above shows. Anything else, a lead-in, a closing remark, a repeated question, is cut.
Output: 6:21
